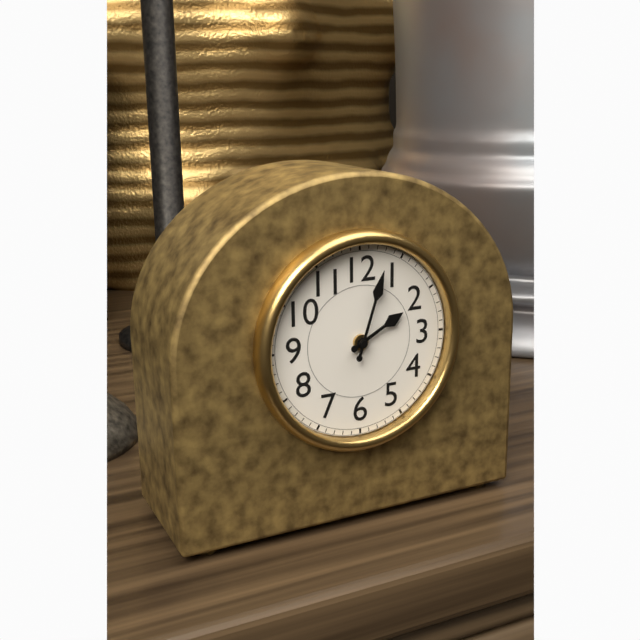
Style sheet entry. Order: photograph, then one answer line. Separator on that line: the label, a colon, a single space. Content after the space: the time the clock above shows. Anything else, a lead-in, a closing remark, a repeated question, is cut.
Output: 2:03
